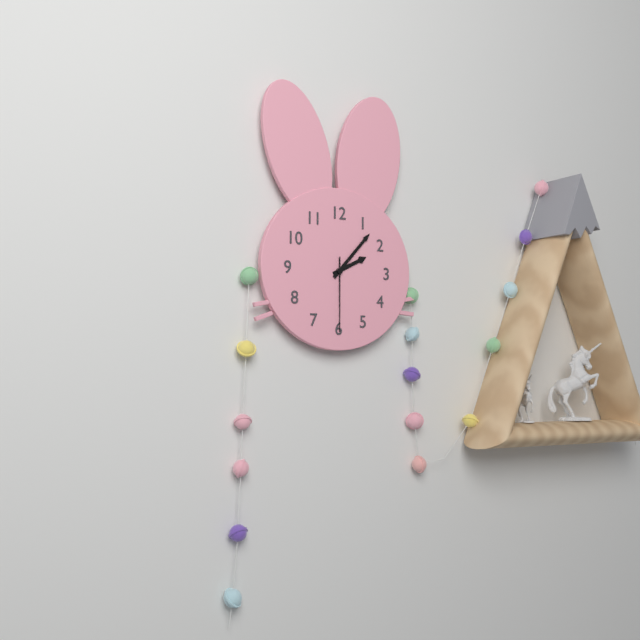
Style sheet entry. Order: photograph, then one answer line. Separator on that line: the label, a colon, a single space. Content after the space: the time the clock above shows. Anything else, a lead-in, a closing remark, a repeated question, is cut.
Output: 2:07:30
